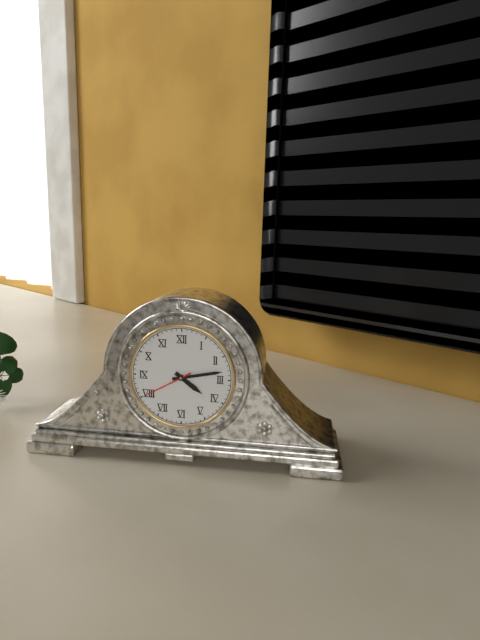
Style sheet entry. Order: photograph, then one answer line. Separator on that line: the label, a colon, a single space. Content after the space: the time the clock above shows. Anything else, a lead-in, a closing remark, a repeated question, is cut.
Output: 4:13:40
